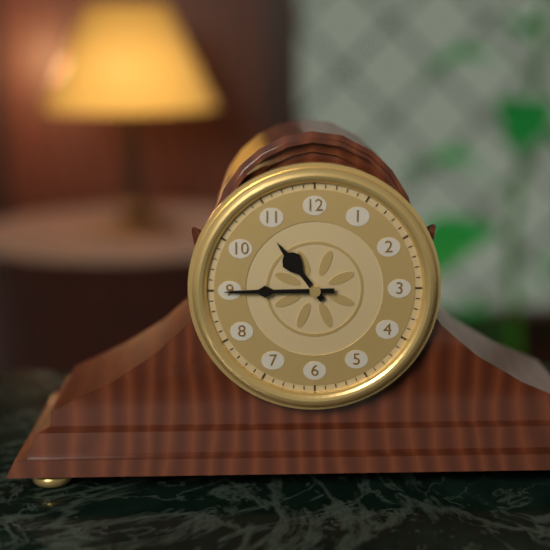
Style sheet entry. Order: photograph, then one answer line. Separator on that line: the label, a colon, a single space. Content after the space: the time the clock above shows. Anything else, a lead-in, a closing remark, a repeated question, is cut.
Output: 10:45
